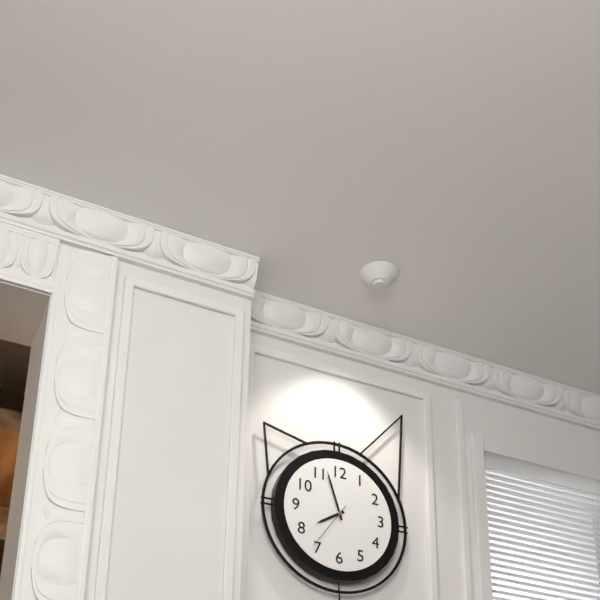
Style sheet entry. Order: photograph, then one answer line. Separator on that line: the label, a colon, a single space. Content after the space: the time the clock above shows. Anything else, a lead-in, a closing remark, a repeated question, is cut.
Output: 7:57
